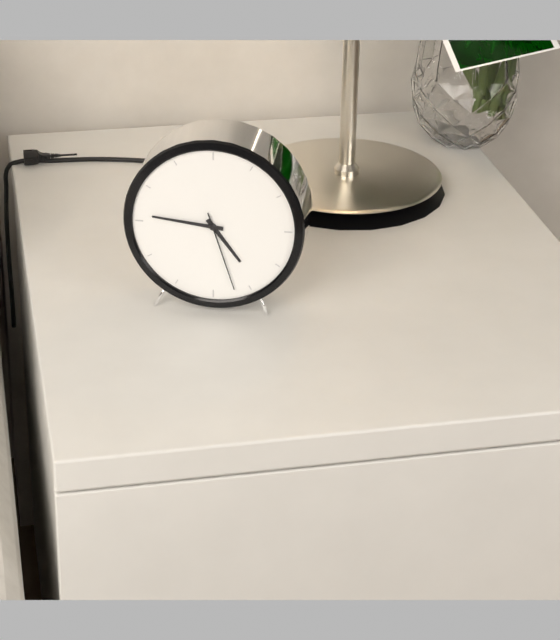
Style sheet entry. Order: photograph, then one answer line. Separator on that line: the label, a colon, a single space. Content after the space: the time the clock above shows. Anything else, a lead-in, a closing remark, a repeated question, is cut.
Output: 4:46:27
